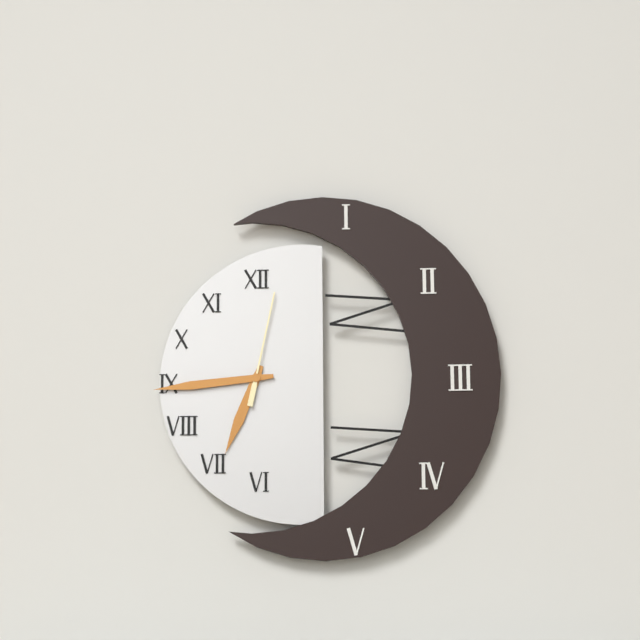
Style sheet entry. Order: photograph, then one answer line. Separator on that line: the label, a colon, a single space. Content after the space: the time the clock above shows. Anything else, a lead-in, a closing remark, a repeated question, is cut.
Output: 6:44:02
